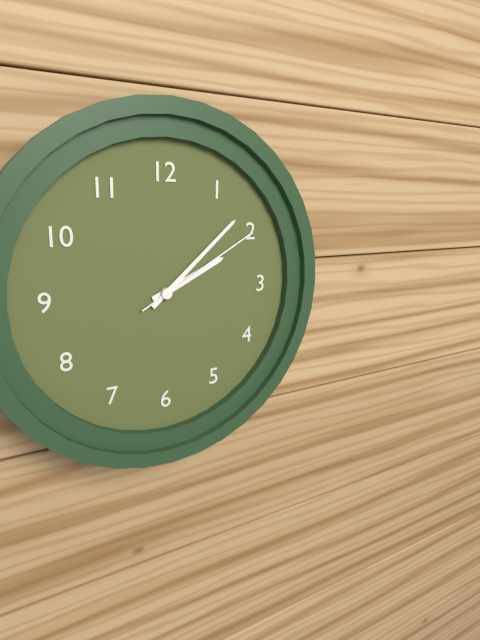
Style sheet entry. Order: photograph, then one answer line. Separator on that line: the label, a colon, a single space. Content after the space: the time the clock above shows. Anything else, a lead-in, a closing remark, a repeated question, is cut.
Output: 2:08:10
